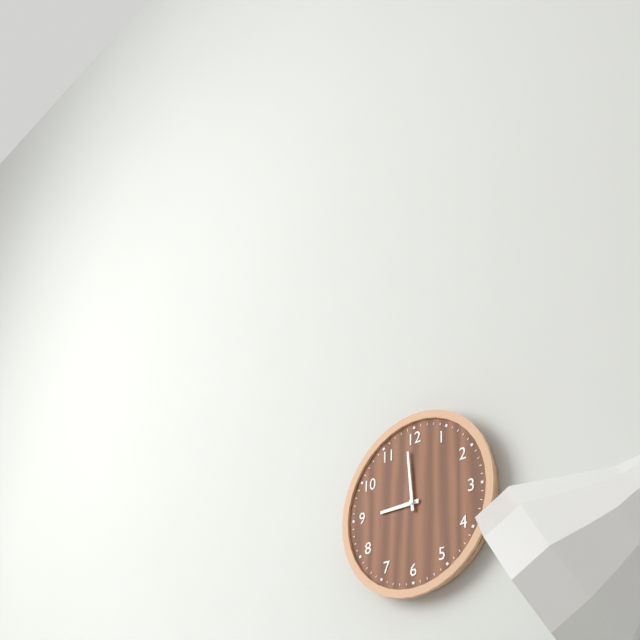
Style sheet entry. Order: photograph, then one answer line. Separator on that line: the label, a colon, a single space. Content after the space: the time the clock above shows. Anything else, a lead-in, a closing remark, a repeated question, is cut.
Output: 8:59
